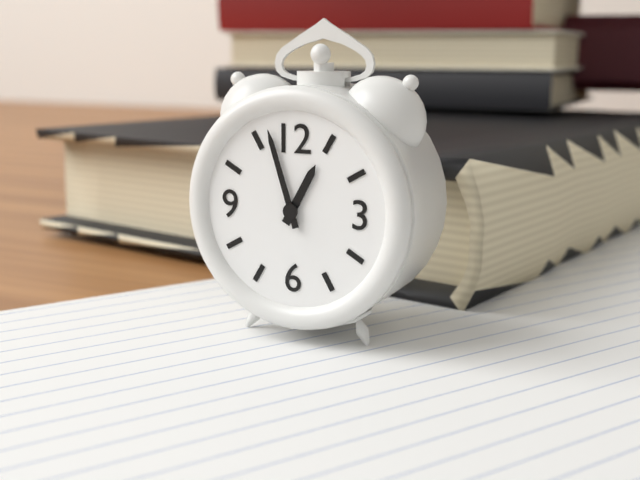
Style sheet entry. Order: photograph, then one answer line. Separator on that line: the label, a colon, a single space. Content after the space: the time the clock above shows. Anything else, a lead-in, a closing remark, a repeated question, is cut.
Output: 12:57
